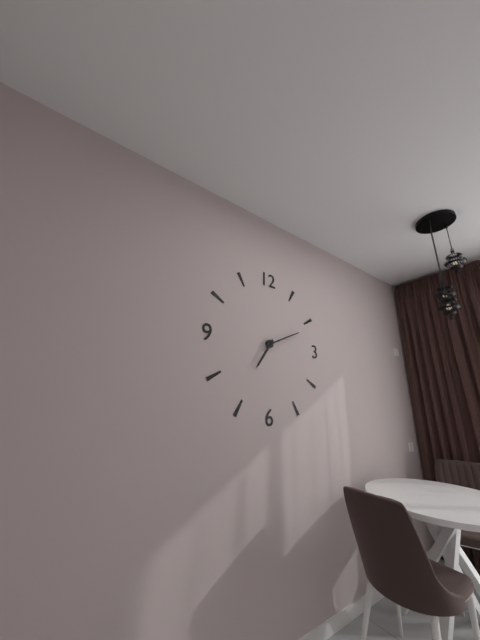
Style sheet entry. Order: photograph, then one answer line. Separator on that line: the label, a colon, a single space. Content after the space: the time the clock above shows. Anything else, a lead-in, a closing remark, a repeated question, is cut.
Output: 7:11
